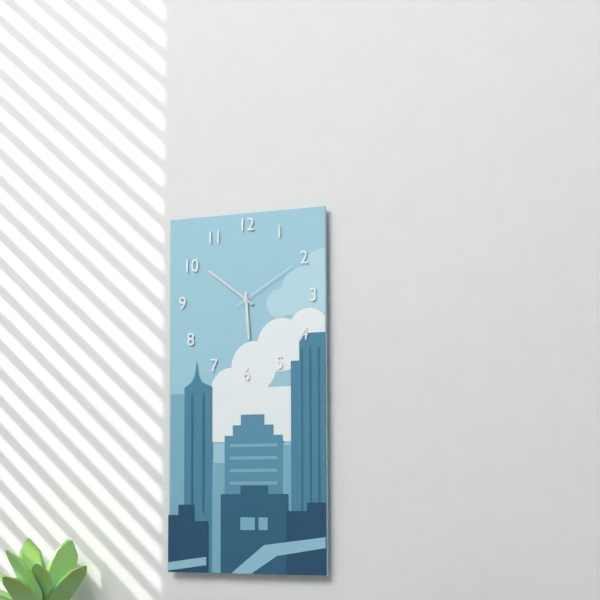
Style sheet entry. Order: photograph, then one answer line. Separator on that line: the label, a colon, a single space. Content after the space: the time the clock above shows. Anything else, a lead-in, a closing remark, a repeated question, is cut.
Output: 5:51:10
